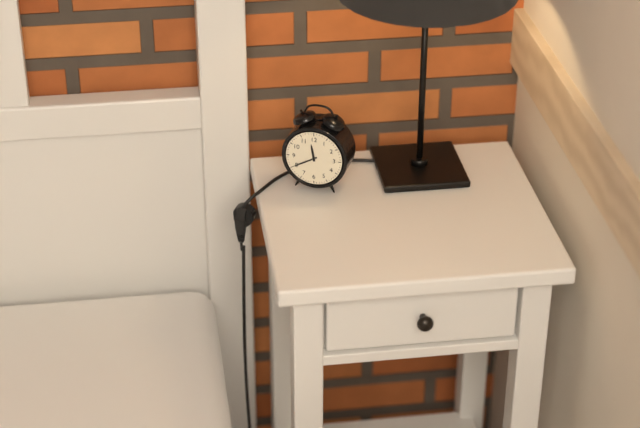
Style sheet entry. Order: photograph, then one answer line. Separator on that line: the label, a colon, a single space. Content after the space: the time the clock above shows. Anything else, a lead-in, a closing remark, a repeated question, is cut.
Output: 11:40
